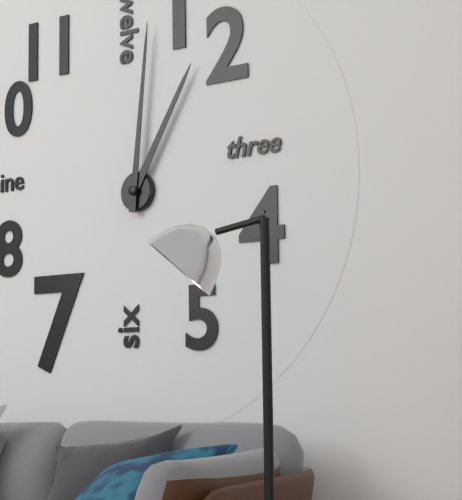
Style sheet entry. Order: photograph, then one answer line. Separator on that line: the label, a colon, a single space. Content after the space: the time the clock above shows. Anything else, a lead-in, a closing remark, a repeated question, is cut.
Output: 1:01
